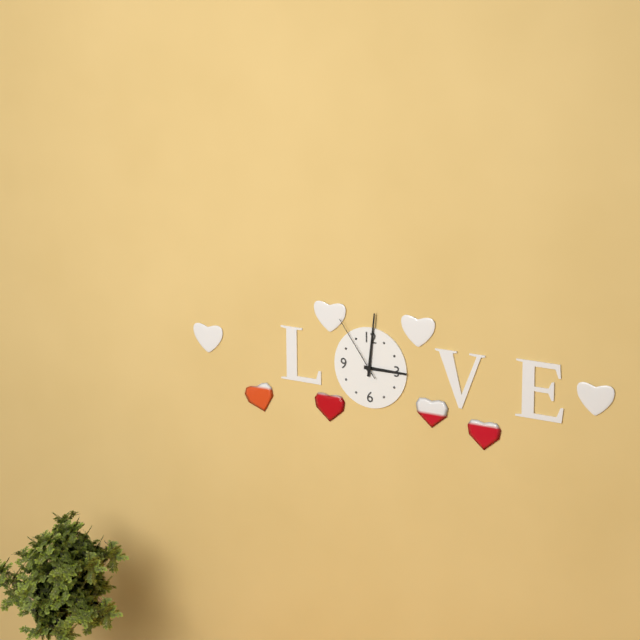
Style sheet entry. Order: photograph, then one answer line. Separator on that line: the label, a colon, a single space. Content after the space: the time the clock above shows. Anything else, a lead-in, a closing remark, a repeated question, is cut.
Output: 3:01:54
